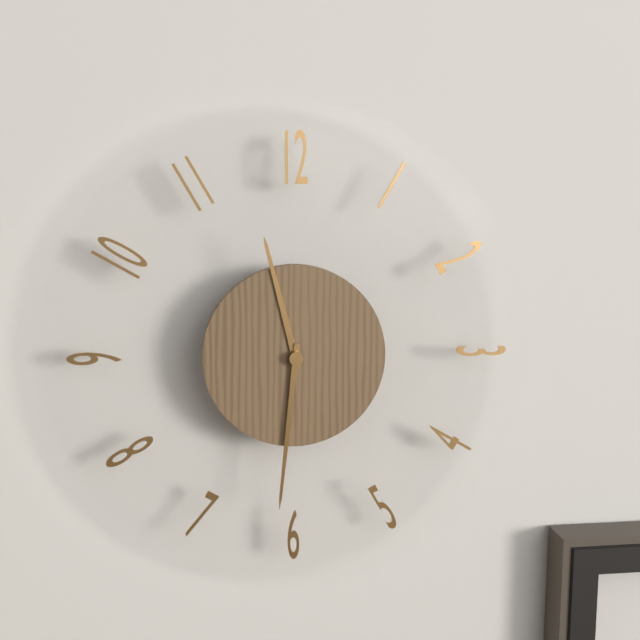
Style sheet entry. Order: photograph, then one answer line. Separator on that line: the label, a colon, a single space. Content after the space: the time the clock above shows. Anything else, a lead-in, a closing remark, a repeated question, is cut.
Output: 11:31
